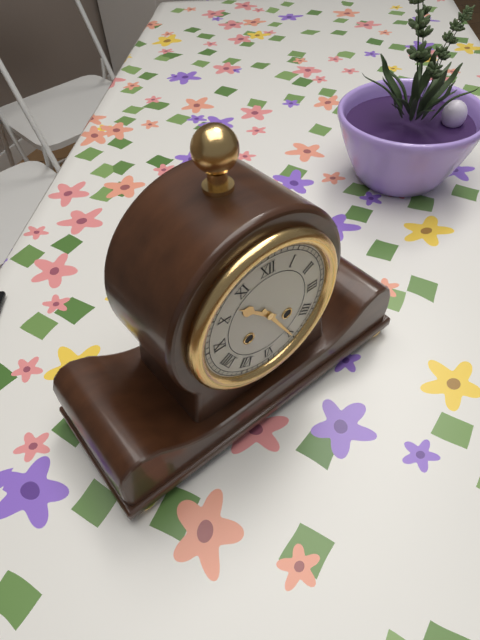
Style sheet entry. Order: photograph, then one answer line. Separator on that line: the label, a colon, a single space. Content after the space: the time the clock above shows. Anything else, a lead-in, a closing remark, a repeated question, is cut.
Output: 10:25
